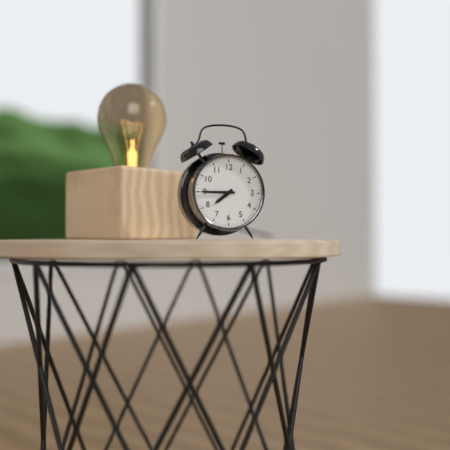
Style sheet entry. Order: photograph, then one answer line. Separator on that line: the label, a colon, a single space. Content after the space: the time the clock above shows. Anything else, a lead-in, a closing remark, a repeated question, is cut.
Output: 7:45
